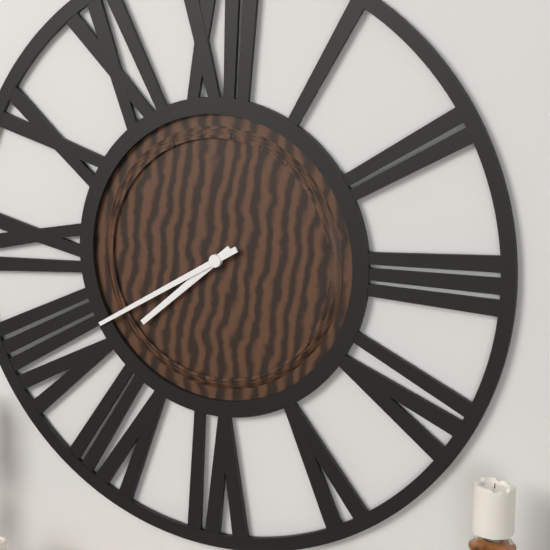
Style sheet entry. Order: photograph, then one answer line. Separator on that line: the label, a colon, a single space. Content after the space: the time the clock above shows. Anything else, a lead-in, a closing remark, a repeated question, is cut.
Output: 7:40
